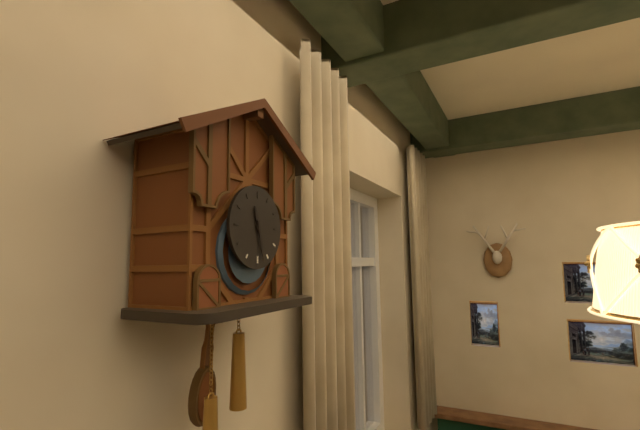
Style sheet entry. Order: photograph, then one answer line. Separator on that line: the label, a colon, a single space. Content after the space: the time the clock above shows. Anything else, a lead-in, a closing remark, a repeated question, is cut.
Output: 11:28
